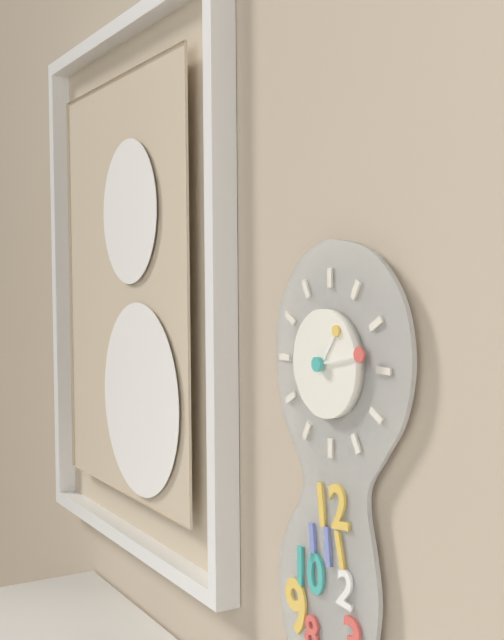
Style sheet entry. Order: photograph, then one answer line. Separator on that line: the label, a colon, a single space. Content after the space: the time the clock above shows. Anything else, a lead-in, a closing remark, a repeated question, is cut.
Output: 1:13
